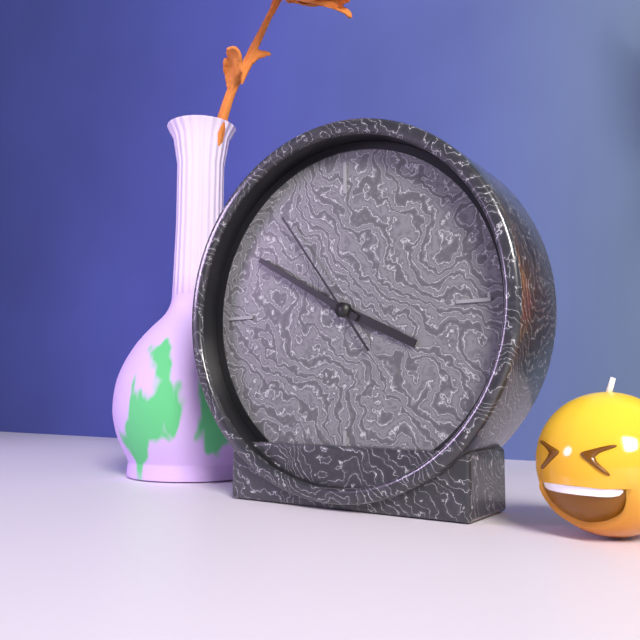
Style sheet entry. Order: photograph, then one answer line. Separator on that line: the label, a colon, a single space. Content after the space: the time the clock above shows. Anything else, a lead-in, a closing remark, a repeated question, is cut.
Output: 3:50:54
